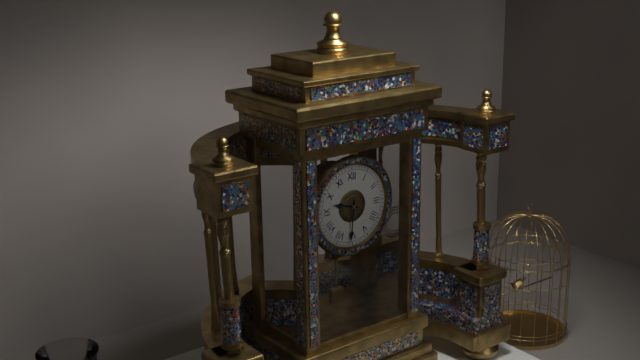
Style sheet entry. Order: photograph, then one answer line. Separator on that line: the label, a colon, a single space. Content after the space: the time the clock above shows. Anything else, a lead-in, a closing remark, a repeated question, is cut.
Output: 9:31
